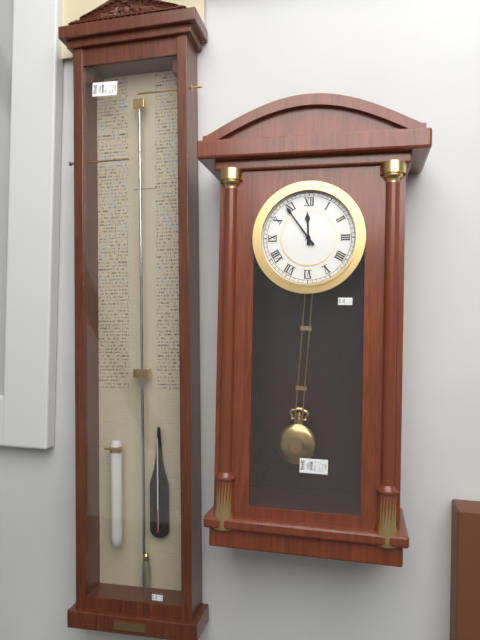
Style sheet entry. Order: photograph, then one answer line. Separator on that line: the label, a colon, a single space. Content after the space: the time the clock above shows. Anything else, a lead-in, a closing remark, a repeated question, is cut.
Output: 11:54
